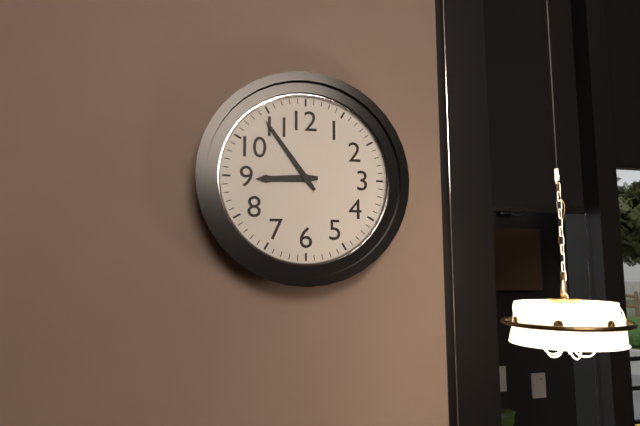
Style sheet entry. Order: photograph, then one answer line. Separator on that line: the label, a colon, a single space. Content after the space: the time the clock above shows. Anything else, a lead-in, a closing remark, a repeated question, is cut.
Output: 8:54
